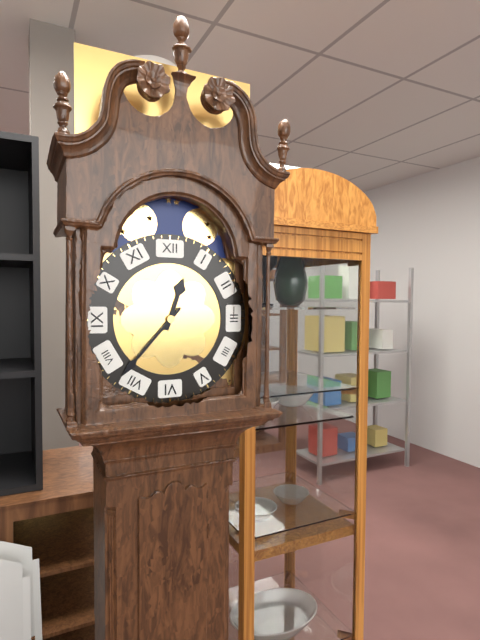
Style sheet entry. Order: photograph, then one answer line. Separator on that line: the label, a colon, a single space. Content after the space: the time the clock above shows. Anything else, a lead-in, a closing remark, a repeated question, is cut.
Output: 12:37
